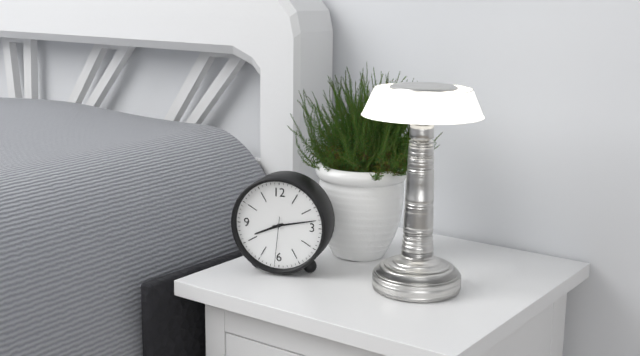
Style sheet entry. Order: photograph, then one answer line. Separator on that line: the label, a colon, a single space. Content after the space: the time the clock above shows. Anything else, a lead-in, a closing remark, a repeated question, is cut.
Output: 8:13
